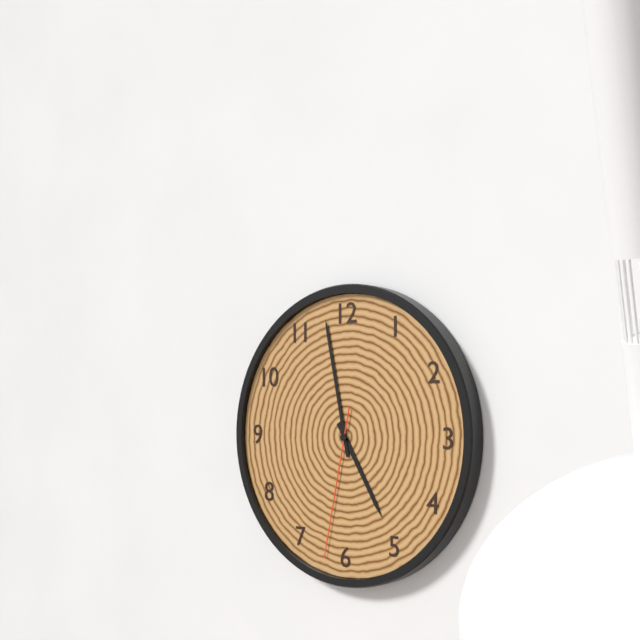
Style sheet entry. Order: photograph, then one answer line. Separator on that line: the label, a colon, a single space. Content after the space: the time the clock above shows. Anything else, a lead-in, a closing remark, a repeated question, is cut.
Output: 4:58:32
